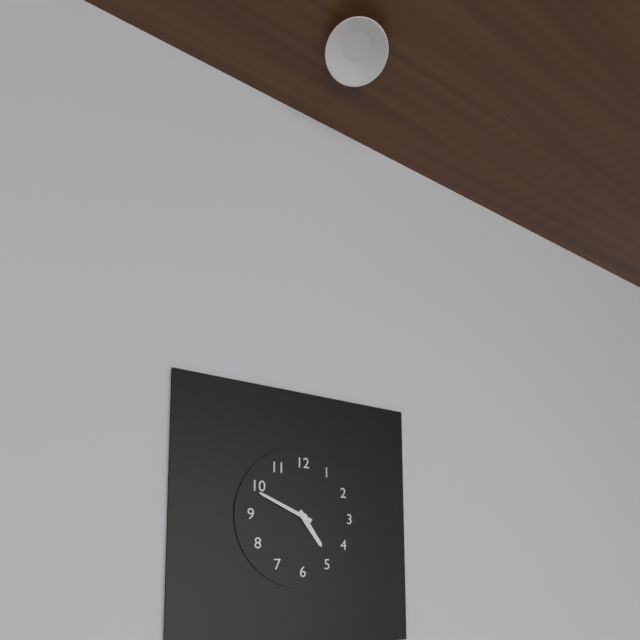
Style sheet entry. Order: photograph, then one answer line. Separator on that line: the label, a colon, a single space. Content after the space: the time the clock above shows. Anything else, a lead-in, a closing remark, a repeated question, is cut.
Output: 4:49
